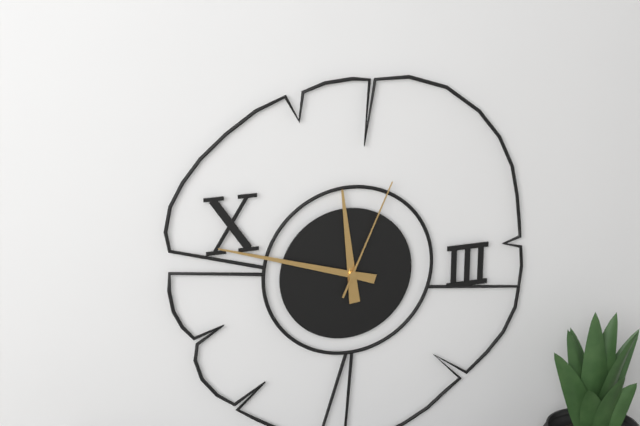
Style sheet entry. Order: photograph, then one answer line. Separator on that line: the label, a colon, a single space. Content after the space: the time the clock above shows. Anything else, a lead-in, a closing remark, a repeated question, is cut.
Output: 11:48:04
